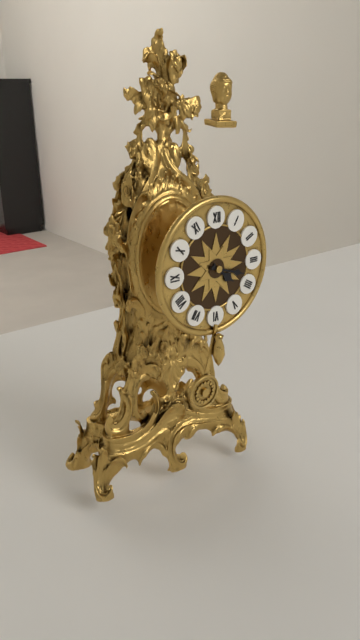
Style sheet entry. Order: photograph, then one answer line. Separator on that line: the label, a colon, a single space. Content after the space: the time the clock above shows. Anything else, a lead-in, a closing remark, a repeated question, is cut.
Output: 4:18
